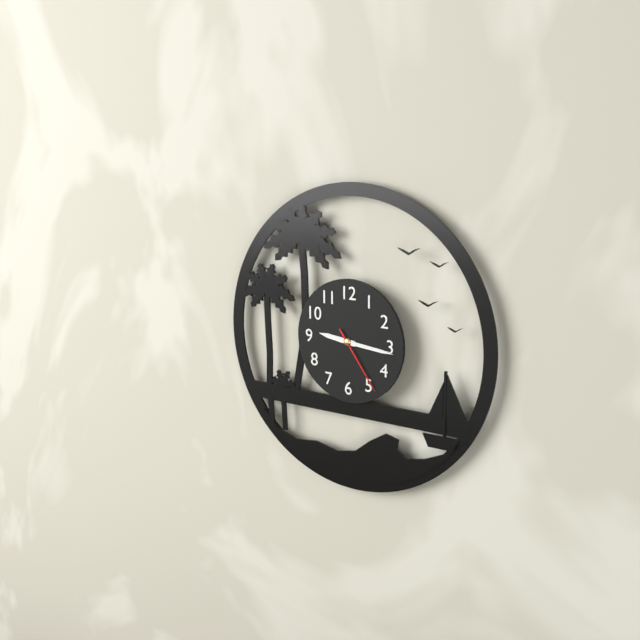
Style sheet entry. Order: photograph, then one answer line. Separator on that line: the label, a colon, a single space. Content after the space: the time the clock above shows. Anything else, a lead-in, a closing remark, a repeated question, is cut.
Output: 9:16:24
